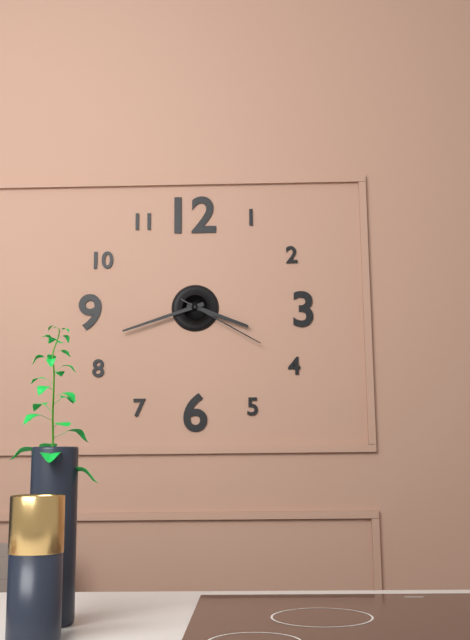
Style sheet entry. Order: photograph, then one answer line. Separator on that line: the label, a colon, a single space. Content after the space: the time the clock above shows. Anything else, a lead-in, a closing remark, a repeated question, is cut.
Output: 3:42:20
